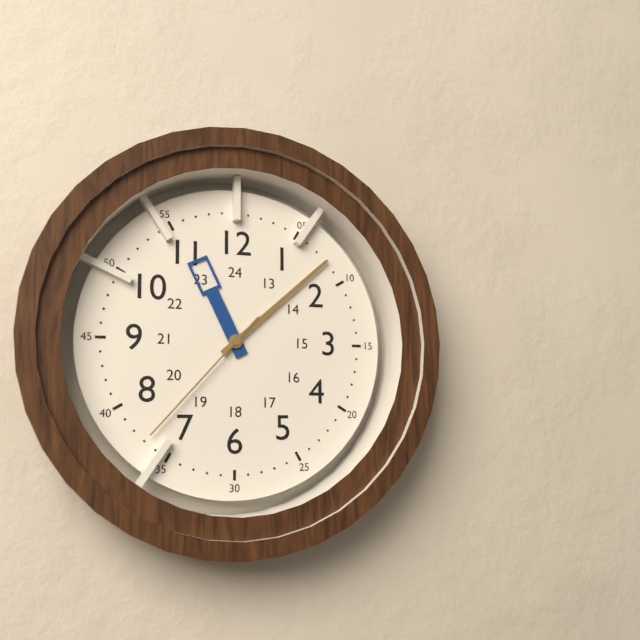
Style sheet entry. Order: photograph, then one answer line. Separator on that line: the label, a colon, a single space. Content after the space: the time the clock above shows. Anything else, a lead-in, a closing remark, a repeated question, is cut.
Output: 11:08:37
